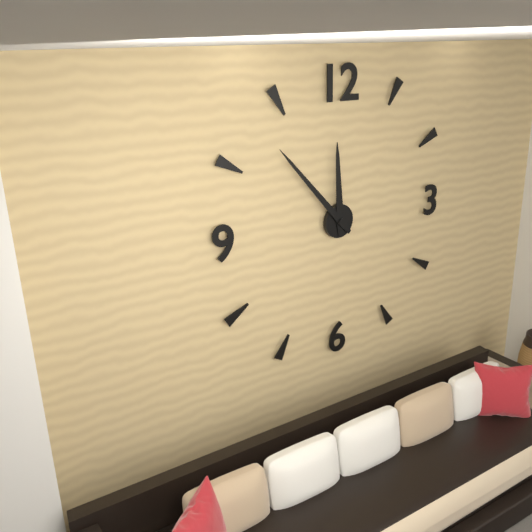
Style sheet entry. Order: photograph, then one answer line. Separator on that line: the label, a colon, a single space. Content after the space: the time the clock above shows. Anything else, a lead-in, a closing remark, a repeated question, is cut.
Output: 11:53
